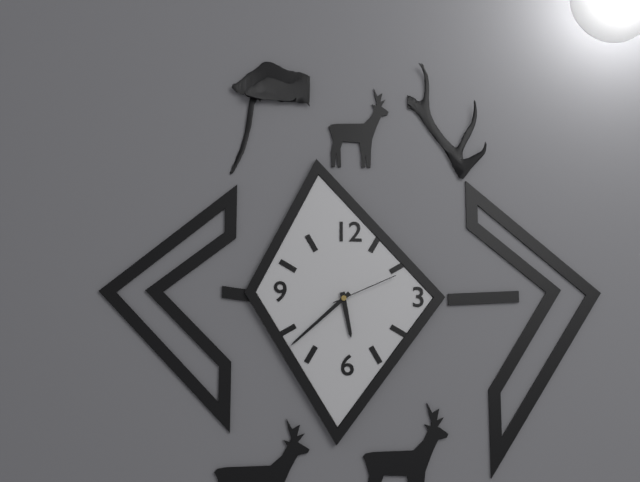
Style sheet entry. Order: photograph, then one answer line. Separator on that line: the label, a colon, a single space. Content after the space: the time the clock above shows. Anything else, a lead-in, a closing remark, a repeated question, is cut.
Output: 5:38:11
